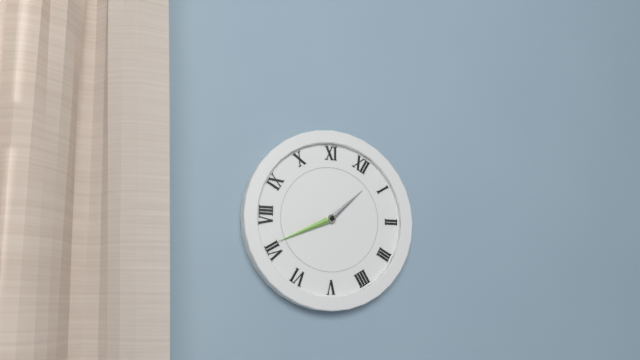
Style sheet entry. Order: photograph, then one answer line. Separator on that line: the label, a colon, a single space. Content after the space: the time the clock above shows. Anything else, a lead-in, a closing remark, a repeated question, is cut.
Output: 12:36
